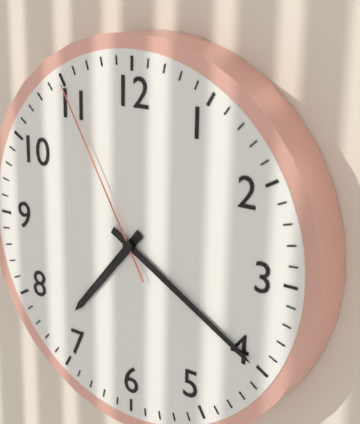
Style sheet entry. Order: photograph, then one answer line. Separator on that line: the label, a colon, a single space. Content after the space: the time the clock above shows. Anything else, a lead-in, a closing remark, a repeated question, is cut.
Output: 7:20:55
